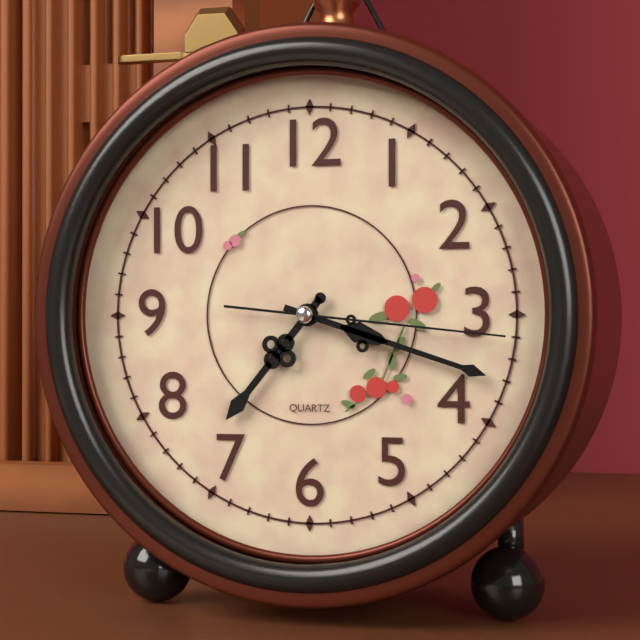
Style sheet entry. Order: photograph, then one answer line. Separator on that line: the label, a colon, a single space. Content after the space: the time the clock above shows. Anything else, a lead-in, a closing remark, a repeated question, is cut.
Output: 7:18:16
